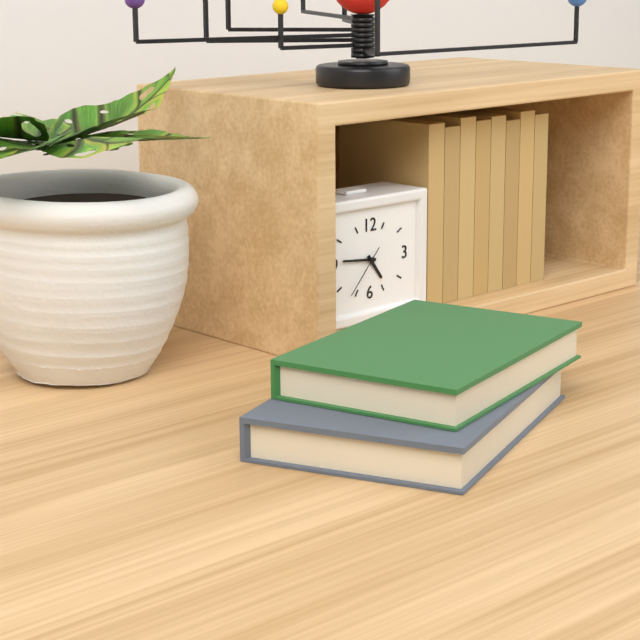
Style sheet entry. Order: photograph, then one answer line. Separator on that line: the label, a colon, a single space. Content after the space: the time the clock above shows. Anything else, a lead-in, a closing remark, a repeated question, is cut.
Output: 4:46:37
